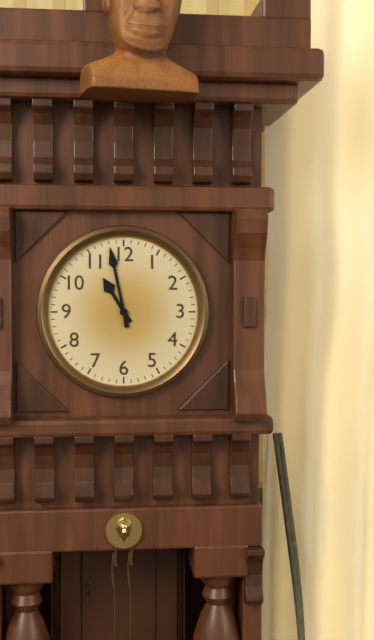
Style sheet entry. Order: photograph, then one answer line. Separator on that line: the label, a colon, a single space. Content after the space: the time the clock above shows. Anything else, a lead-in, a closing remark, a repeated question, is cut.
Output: 10:58
